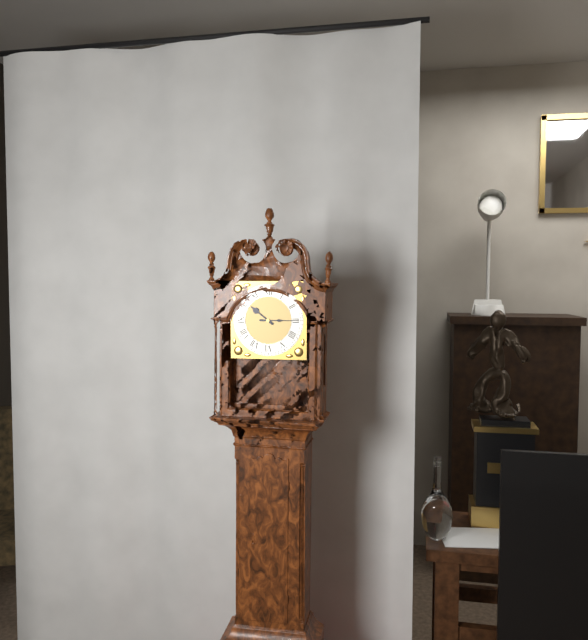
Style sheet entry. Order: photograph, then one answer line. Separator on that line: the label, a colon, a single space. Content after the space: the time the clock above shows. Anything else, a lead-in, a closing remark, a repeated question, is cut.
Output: 10:15
